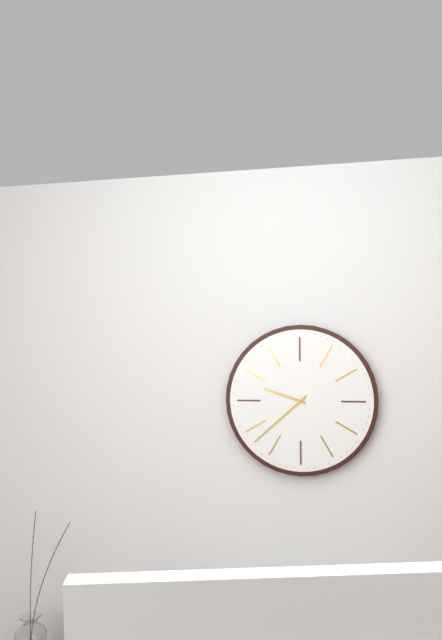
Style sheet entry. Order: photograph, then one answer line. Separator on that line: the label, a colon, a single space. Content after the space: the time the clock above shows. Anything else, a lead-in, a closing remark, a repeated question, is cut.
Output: 9:38
